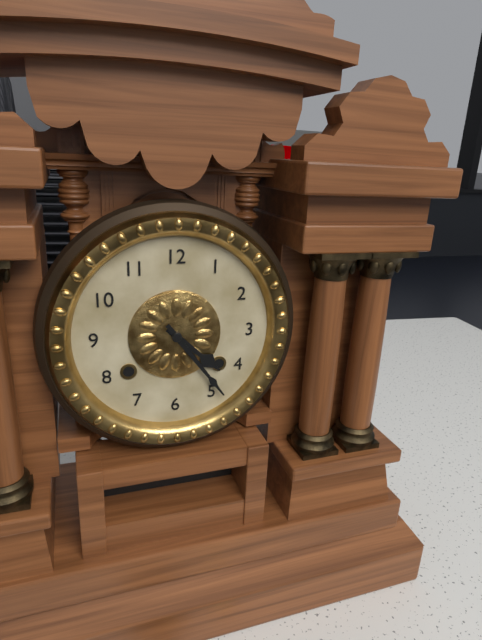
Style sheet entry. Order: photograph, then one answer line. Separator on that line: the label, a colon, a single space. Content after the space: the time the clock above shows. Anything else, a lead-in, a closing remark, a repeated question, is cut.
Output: 4:24
